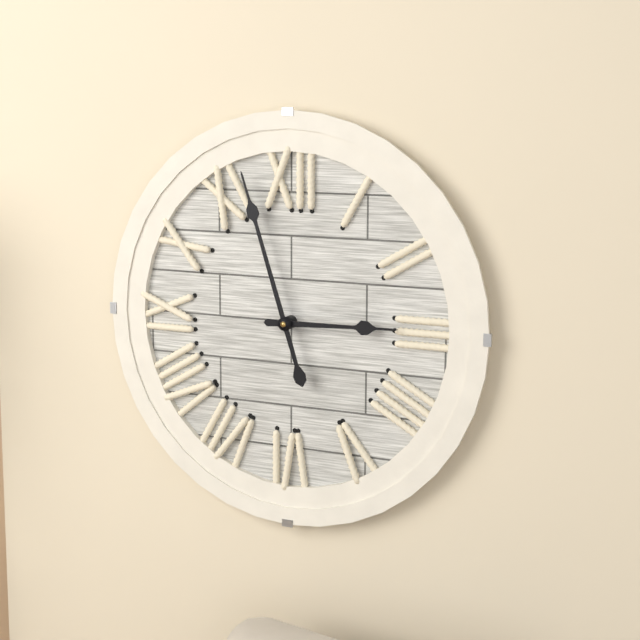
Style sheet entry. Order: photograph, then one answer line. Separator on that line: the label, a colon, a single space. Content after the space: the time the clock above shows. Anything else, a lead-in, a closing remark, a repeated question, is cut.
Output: 2:57
